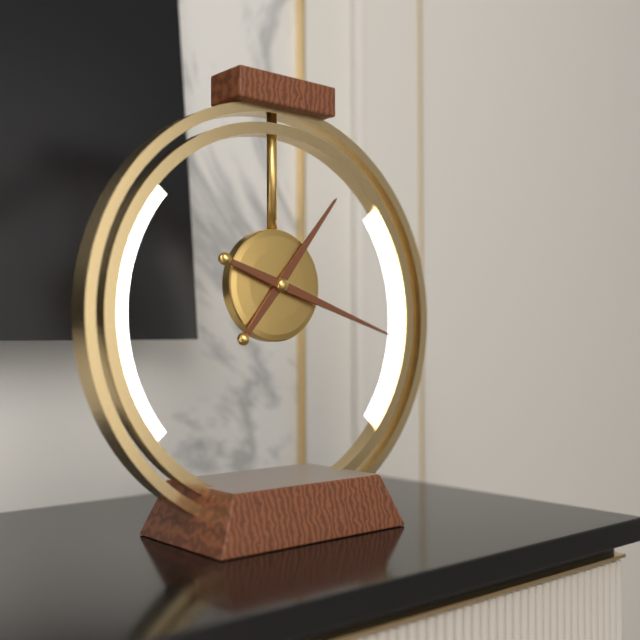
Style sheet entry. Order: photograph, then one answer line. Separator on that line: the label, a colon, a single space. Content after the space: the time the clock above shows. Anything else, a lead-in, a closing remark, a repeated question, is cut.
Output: 1:18
